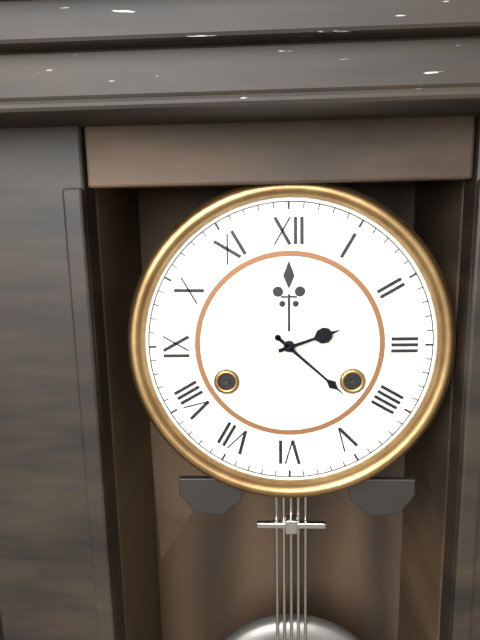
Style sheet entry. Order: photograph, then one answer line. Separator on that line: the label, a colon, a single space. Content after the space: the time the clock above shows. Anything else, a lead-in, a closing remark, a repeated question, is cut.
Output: 2:22
